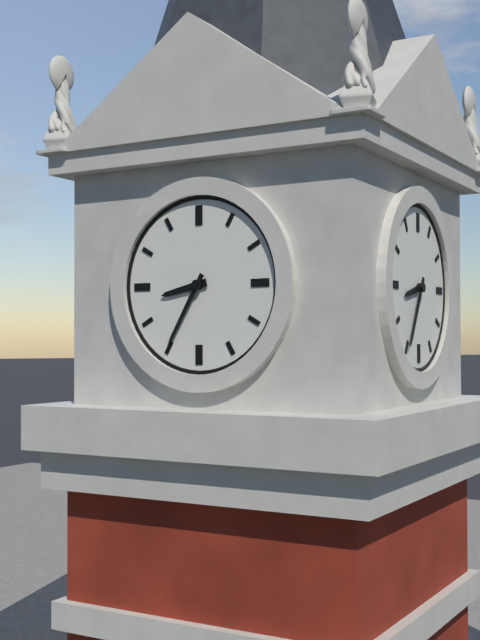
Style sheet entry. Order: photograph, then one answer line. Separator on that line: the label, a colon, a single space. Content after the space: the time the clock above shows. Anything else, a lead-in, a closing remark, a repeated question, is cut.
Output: 8:35
